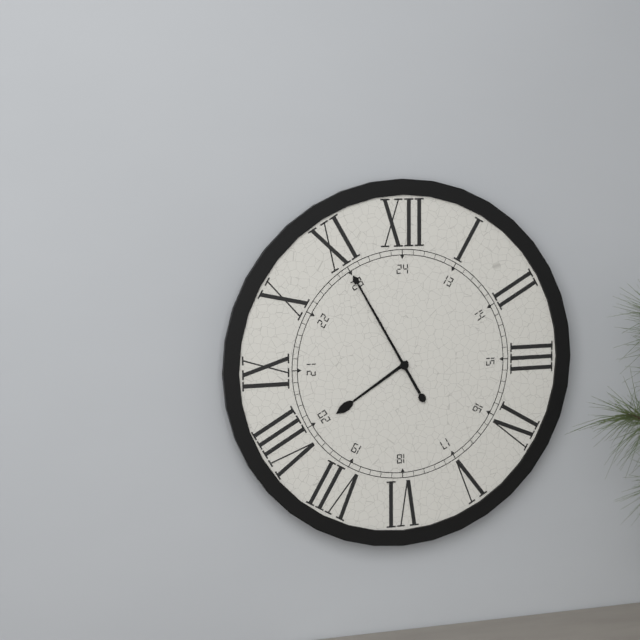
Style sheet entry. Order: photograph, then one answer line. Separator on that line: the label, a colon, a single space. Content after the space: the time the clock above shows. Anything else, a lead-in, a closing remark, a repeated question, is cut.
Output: 7:55
